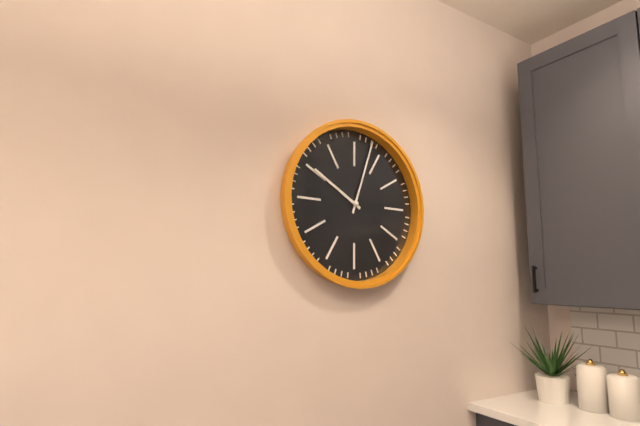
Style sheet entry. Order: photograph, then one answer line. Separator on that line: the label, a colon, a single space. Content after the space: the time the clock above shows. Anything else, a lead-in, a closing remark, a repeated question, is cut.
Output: 10:03
